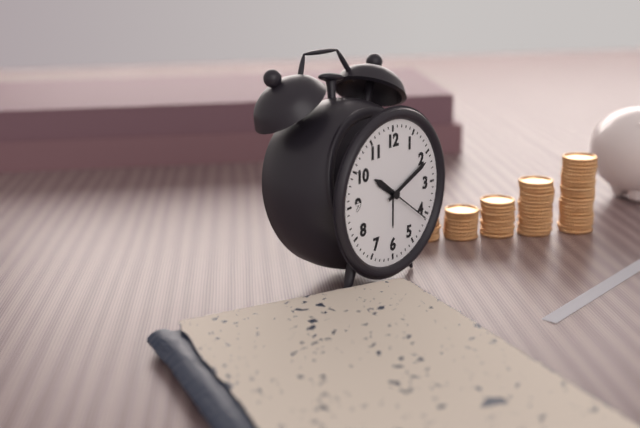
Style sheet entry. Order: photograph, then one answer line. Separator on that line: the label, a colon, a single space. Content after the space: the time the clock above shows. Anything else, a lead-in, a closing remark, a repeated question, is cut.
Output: 10:11
